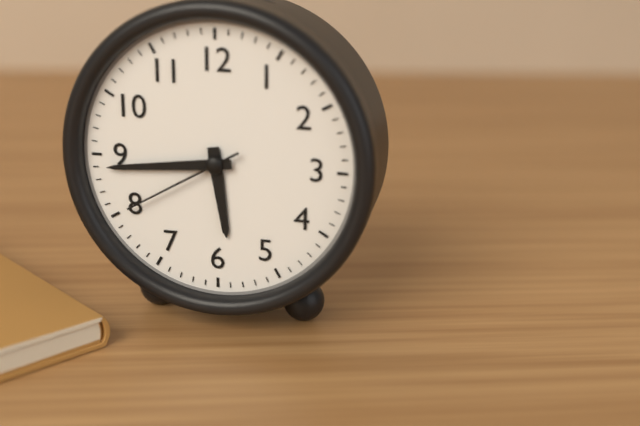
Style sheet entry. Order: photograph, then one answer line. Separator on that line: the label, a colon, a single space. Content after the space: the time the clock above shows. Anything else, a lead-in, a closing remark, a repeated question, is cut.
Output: 5:44:40
